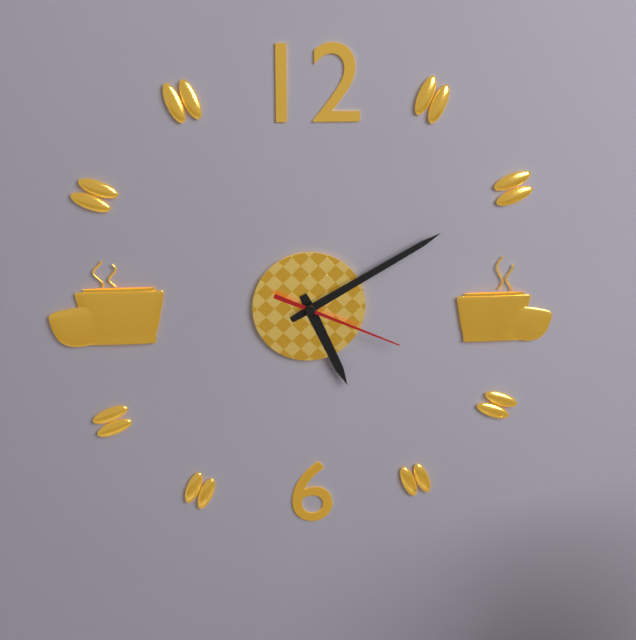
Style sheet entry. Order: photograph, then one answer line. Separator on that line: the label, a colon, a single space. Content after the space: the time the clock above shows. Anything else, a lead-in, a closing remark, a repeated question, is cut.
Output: 5:10:19
